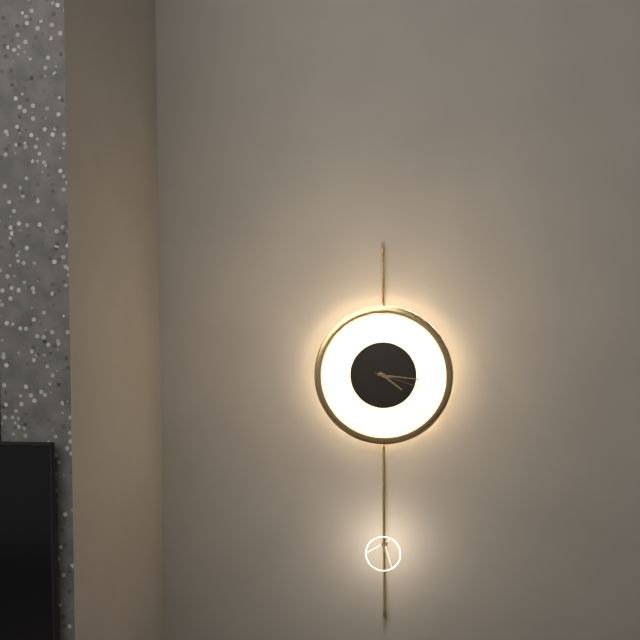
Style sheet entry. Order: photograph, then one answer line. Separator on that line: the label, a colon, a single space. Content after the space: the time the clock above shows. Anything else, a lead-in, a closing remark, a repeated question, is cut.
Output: 4:16
